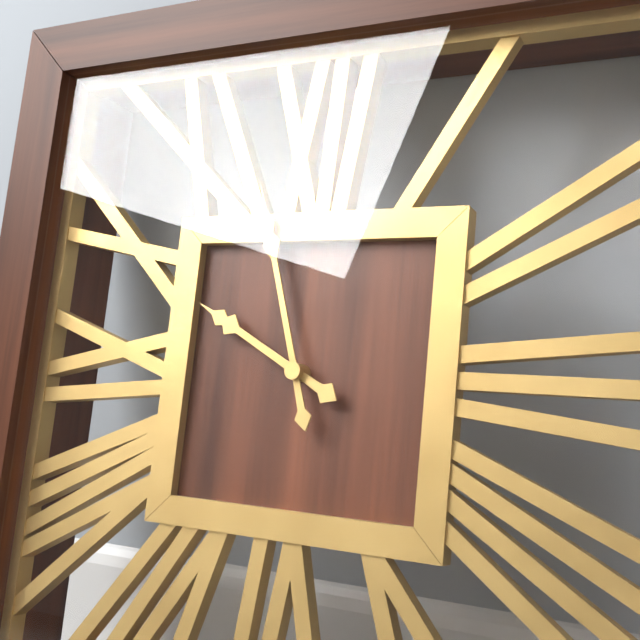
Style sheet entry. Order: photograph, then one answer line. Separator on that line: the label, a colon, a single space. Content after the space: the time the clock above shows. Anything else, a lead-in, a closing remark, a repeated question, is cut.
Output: 9:57
